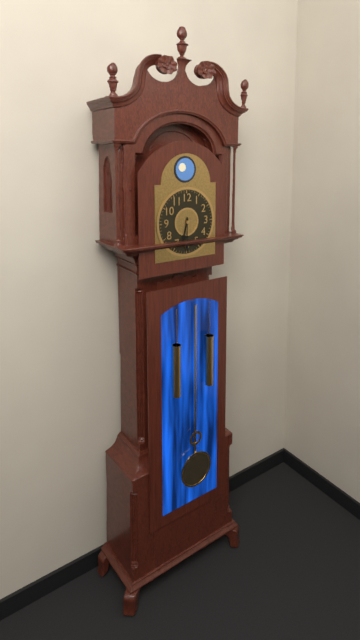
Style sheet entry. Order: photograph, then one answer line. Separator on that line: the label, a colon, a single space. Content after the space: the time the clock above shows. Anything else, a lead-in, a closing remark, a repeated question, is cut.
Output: 6:30
